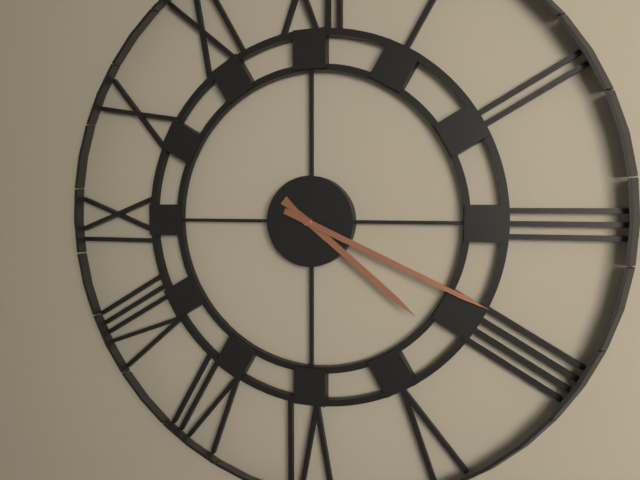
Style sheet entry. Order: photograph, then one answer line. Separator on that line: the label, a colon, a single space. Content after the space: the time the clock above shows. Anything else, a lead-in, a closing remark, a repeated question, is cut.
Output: 4:19
